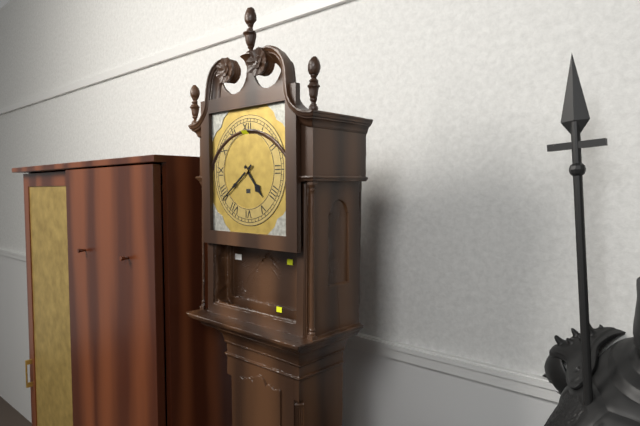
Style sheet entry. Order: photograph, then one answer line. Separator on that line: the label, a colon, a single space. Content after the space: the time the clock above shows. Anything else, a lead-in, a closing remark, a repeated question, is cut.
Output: 4:39
